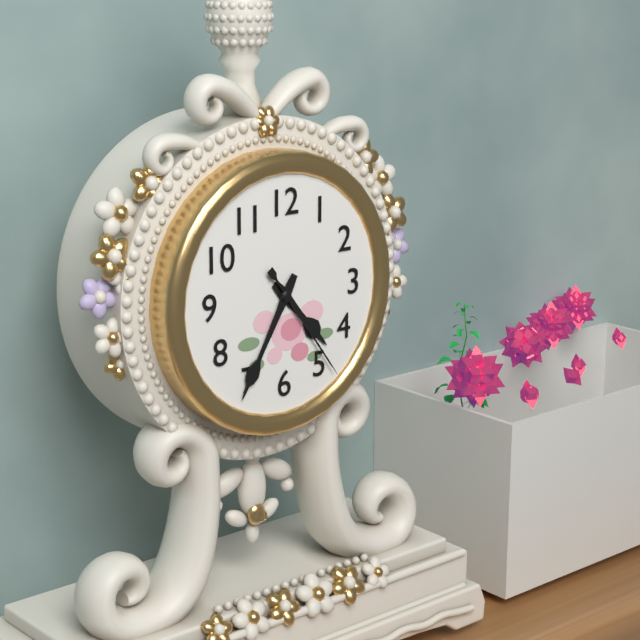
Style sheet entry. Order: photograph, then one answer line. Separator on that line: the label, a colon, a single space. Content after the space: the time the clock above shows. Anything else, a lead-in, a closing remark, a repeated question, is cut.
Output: 4:35:24
